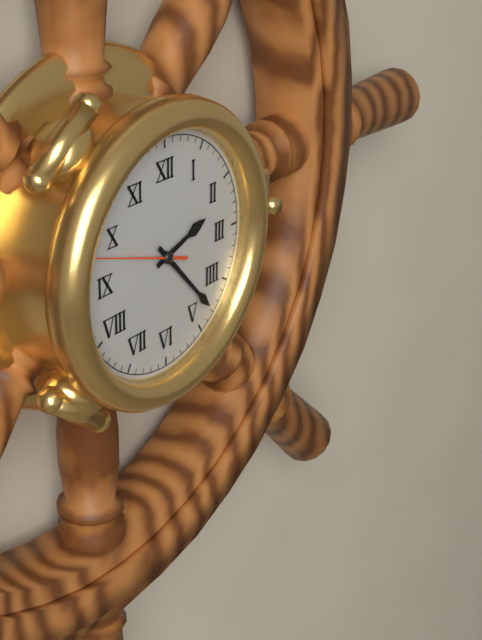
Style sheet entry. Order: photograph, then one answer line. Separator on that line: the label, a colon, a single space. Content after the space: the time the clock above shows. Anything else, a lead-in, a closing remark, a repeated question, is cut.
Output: 2:23:48
